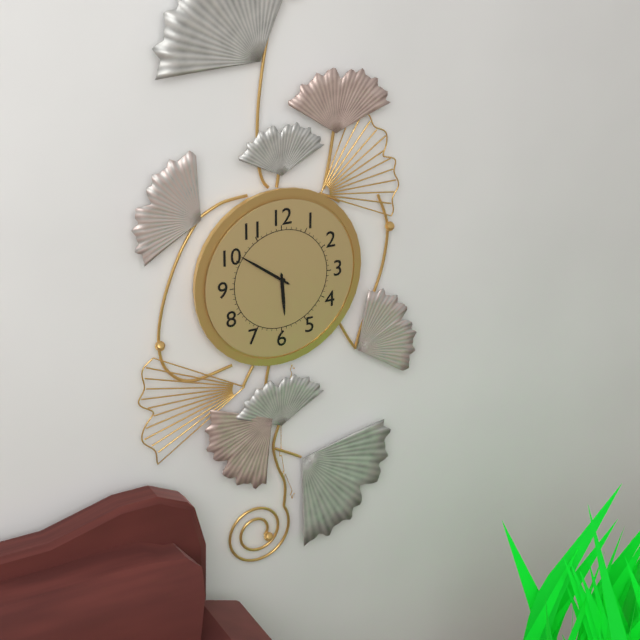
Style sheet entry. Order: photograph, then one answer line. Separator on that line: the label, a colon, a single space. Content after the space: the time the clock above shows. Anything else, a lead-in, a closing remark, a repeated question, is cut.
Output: 5:51
